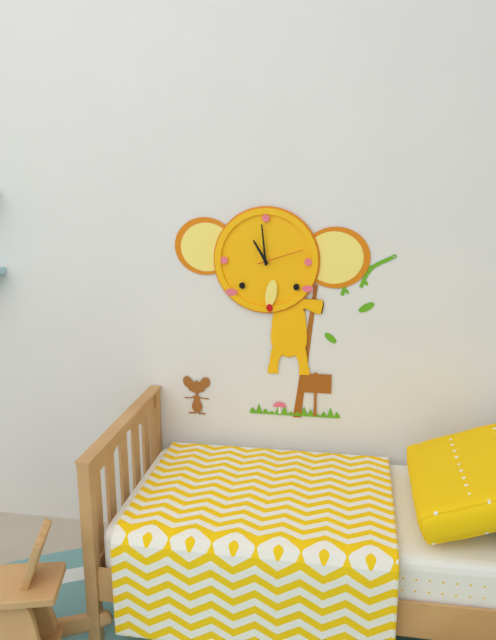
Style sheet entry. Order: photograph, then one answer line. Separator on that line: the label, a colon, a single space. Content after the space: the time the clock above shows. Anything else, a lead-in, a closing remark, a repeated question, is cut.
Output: 10:59
